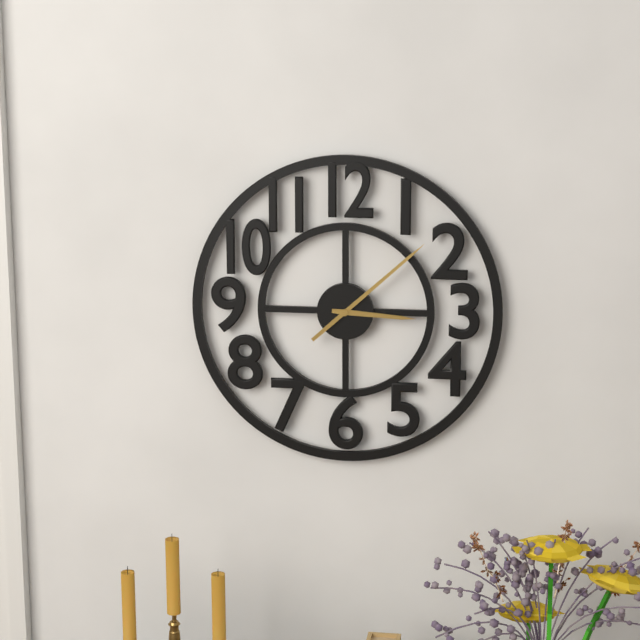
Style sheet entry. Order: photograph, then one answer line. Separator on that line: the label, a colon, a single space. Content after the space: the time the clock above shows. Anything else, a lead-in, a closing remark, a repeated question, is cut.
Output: 3:08
